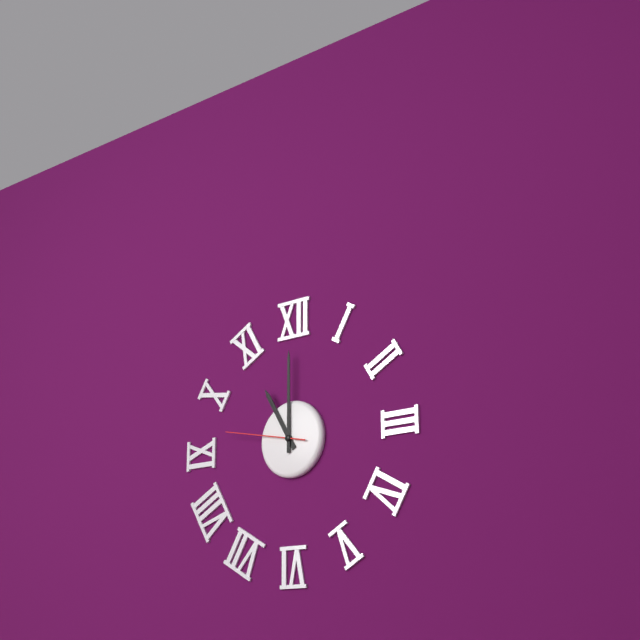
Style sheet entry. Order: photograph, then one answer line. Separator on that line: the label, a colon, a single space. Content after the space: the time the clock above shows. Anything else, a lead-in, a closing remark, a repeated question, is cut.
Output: 11:00:47
